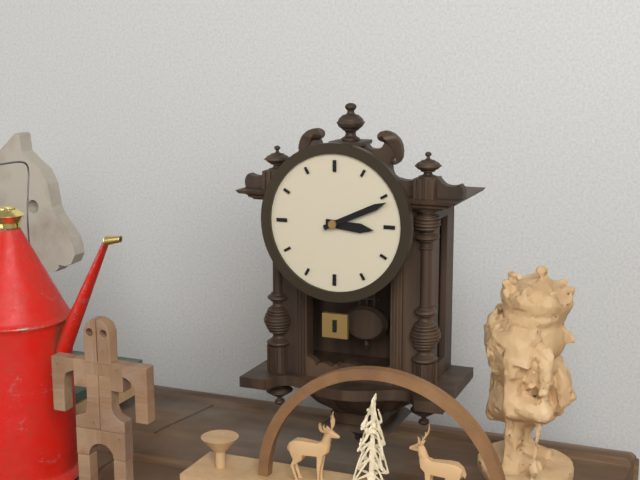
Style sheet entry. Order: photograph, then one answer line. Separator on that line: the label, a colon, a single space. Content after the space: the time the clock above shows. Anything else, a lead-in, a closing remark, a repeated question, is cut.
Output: 3:11
